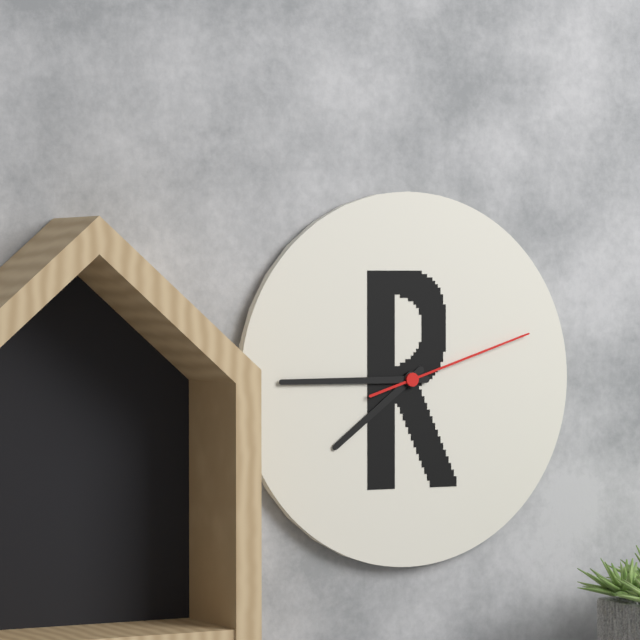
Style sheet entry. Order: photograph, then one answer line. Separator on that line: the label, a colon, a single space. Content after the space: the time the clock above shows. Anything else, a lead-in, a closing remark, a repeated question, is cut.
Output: 7:45:12
